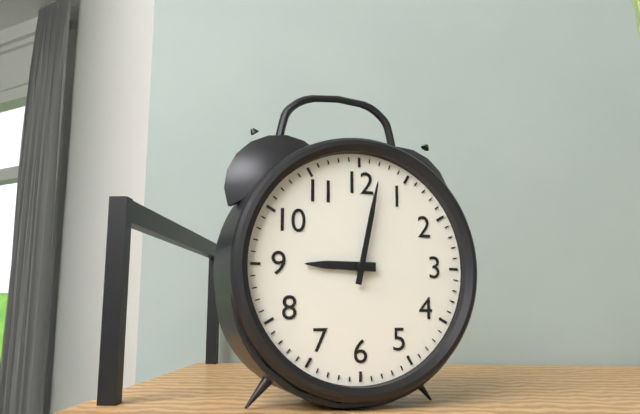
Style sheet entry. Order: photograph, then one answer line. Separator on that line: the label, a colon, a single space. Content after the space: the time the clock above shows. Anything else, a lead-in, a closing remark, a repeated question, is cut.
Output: 9:02
